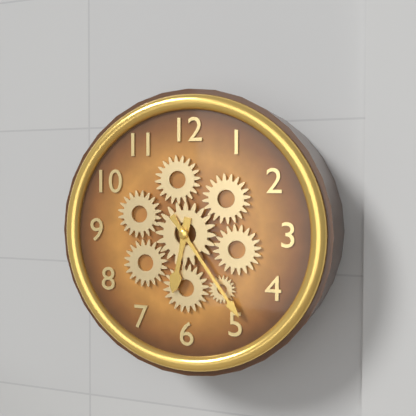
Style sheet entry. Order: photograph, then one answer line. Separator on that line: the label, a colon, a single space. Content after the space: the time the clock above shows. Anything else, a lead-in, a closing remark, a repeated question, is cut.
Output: 6:24
